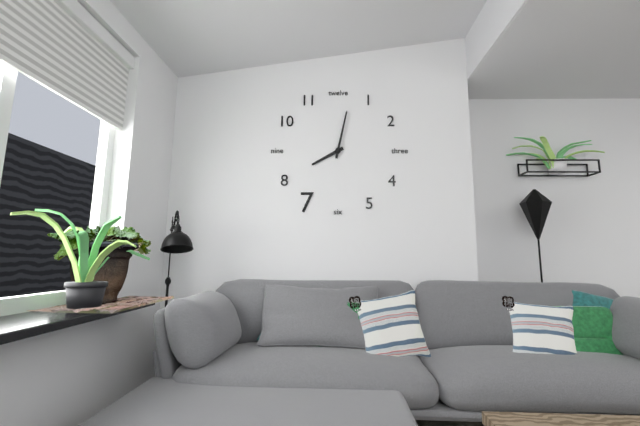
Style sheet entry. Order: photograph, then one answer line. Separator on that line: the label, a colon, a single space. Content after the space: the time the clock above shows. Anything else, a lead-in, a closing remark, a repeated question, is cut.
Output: 8:02
